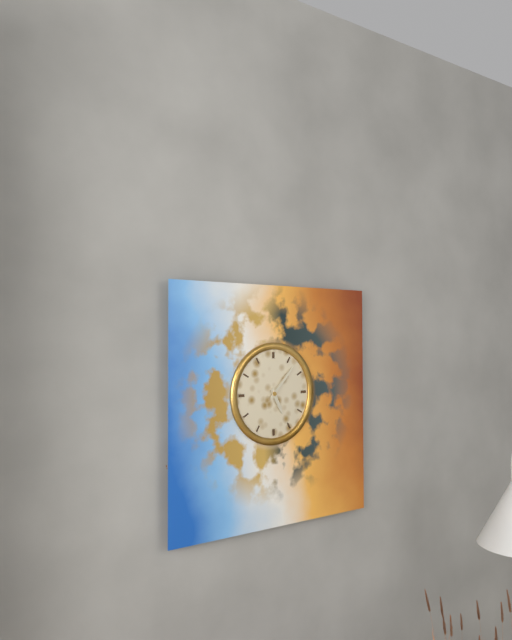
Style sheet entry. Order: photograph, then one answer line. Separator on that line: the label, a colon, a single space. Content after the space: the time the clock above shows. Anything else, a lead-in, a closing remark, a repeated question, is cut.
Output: 5:07
